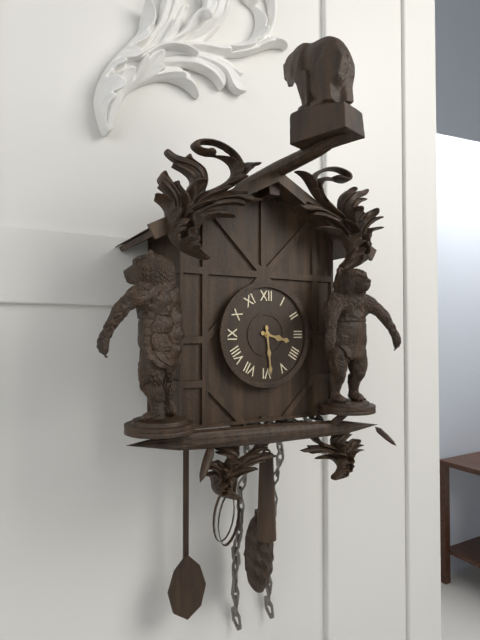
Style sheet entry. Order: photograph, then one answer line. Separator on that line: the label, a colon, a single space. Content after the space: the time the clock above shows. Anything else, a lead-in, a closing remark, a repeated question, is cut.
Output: 3:29
